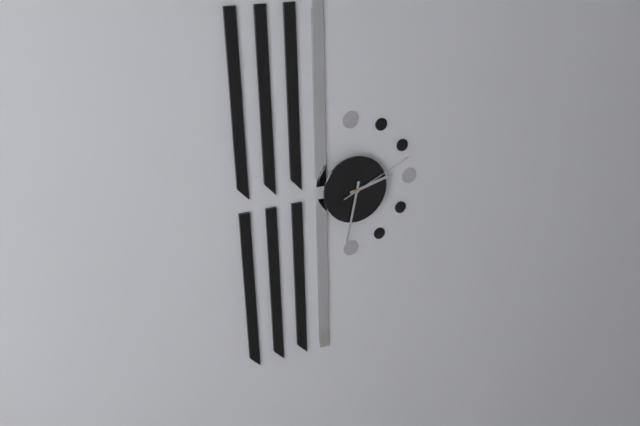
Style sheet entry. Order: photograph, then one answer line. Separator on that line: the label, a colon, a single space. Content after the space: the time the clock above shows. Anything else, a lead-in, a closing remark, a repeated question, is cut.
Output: 2:32:11
